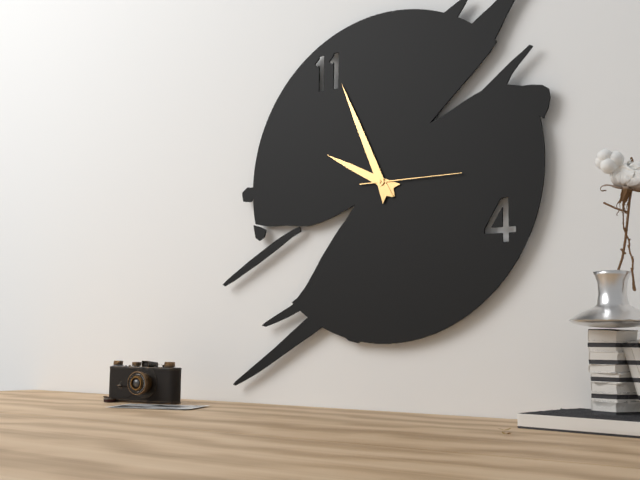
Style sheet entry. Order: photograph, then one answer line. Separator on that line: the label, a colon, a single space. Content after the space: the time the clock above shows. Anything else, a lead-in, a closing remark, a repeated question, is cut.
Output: 9:56:15
